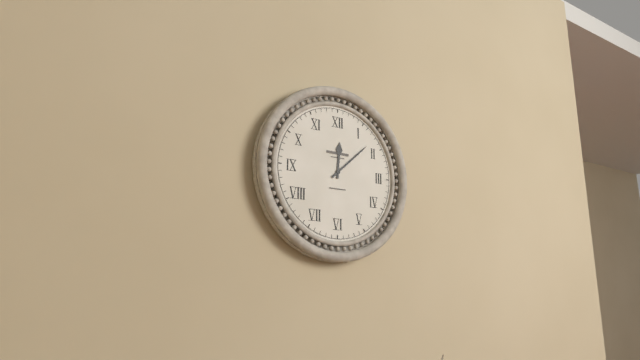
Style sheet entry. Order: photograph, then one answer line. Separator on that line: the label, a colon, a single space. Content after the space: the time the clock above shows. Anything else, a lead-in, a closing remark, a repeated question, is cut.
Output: 12:08
